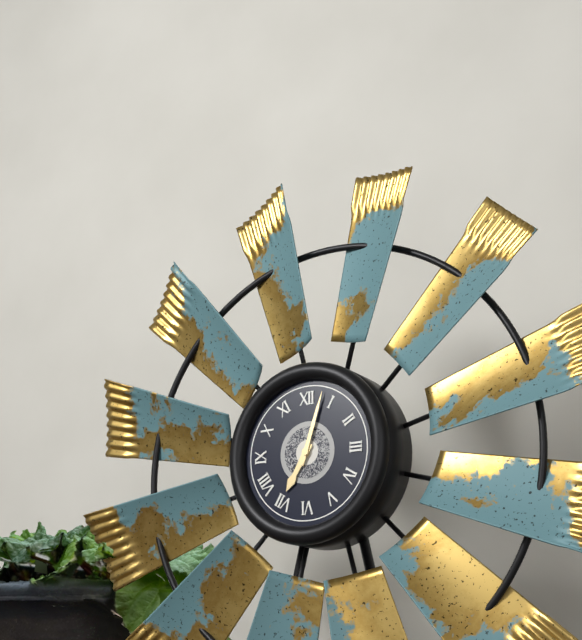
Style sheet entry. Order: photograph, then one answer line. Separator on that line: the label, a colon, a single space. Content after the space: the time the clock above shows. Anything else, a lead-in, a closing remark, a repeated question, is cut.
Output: 7:03
